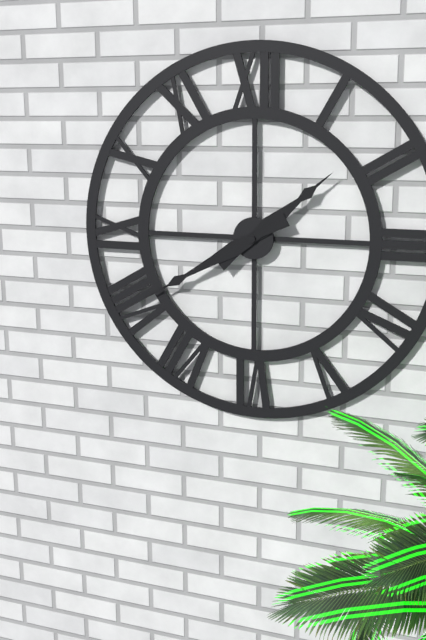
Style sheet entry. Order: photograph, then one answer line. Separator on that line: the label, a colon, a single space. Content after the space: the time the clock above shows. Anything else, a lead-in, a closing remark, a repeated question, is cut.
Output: 1:40
